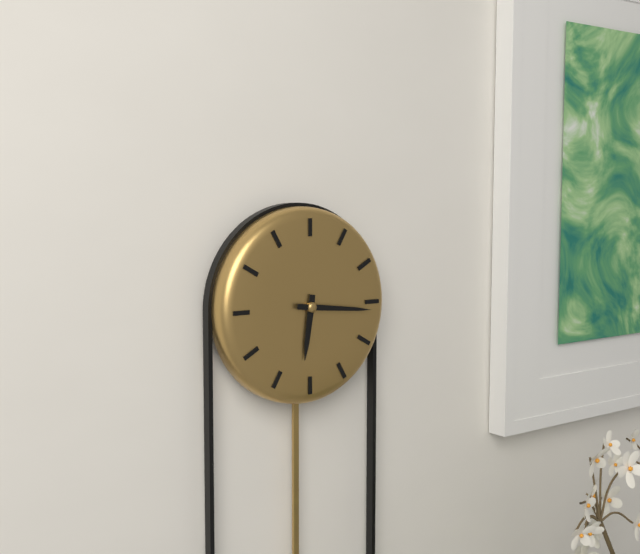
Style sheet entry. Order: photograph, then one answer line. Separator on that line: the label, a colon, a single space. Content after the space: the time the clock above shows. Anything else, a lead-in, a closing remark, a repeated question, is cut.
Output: 6:16
